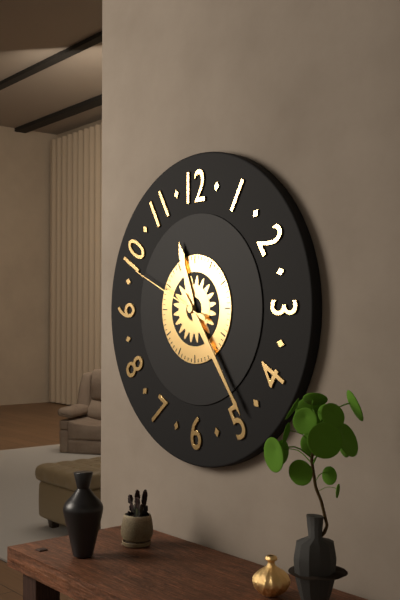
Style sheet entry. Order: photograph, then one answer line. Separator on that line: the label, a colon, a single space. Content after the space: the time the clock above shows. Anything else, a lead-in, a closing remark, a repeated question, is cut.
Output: 11:24:49
